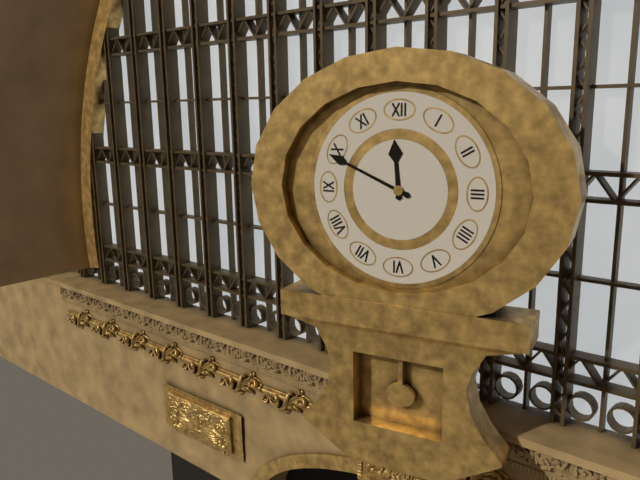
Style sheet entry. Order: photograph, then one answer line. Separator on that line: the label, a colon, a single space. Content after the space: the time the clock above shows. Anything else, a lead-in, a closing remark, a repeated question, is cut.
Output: 11:49
